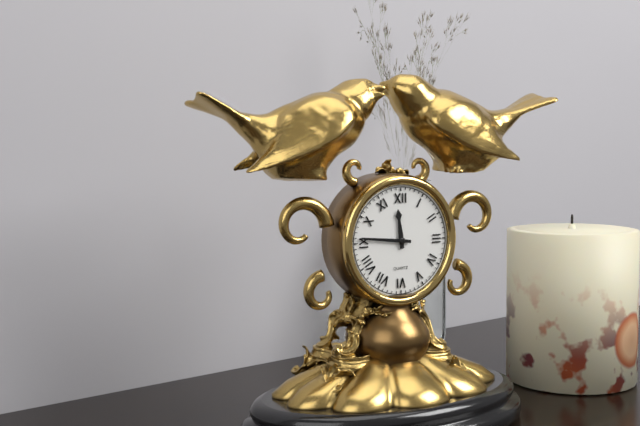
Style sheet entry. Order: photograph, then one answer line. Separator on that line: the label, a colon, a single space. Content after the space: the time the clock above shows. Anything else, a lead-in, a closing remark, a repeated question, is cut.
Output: 11:46
